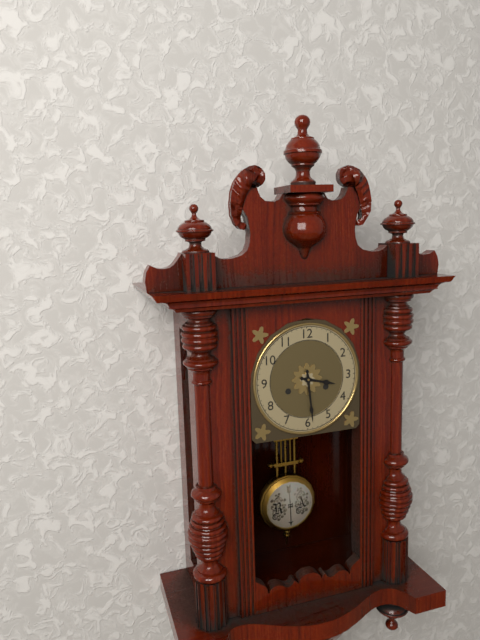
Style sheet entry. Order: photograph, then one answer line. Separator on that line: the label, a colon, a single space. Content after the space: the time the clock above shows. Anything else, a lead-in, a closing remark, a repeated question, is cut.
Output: 3:29
